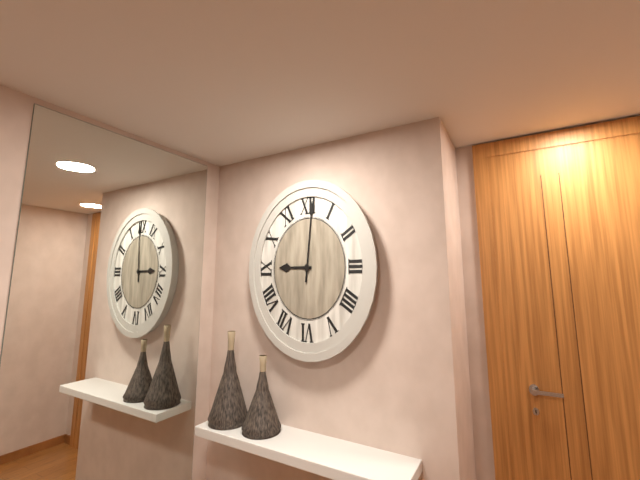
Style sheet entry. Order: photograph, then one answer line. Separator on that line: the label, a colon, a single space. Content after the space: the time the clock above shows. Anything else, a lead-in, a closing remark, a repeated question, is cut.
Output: 9:01
